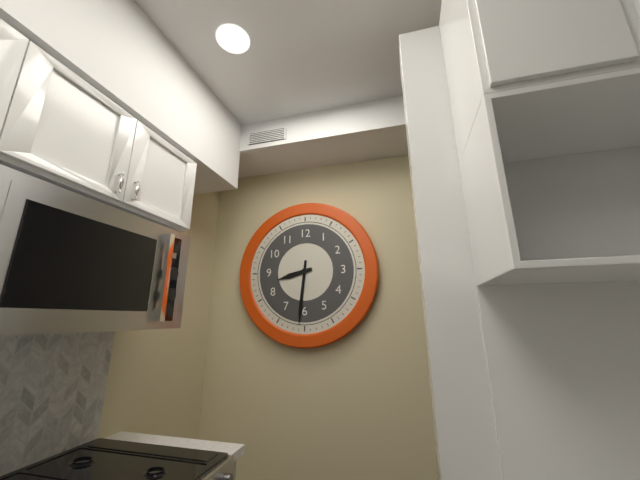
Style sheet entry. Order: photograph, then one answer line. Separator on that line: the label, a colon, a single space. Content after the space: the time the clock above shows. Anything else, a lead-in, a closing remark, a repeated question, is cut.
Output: 8:31
